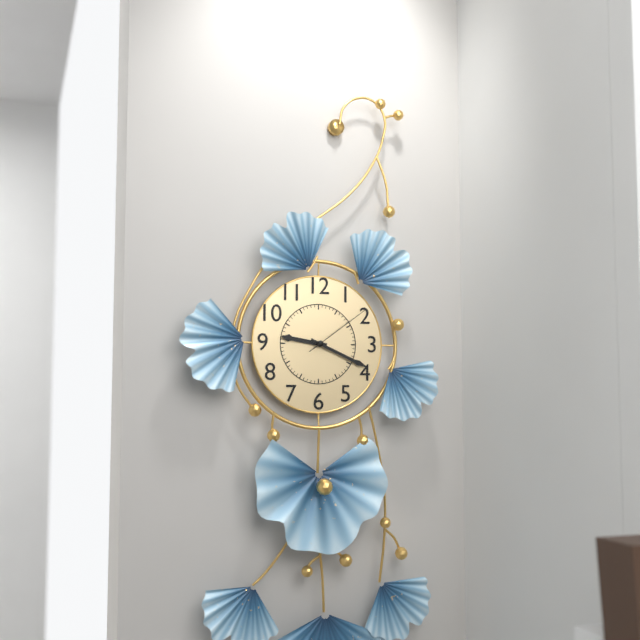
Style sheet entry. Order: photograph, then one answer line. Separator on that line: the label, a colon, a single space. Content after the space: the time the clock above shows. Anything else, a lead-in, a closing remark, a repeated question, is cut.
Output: 9:19:09
